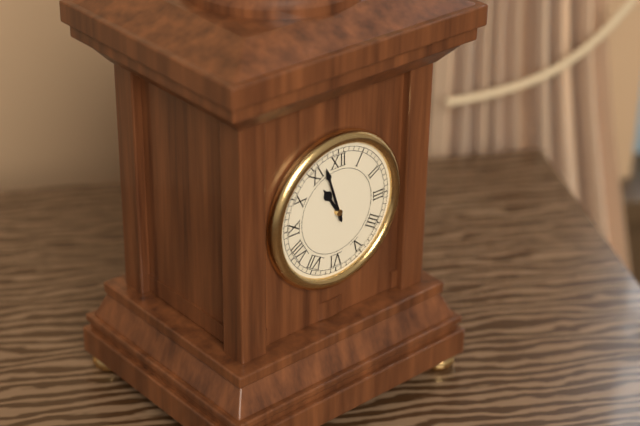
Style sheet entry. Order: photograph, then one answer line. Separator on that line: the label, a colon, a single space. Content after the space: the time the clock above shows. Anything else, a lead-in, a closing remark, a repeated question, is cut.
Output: 10:57
